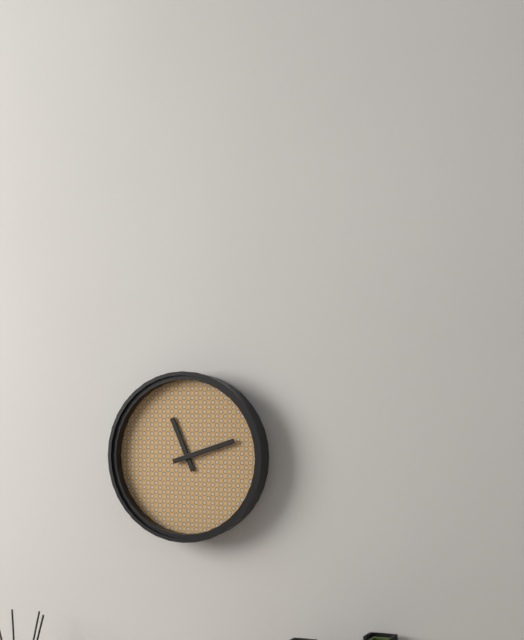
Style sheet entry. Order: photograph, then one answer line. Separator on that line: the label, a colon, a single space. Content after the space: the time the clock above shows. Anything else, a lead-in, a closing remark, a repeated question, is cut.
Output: 11:12
